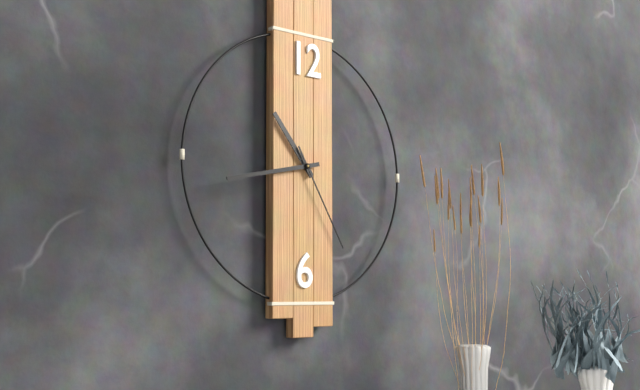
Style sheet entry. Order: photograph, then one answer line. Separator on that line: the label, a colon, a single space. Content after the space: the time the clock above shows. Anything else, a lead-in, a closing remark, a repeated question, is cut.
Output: 10:43:25
